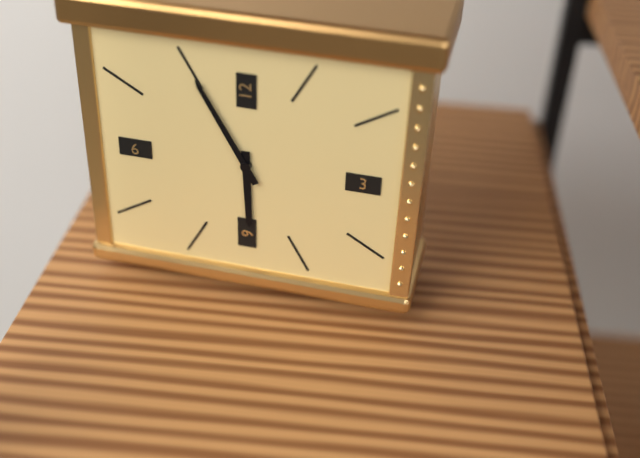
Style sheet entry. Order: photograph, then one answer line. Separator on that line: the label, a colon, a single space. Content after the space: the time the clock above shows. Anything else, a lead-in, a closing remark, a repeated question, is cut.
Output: 5:55
